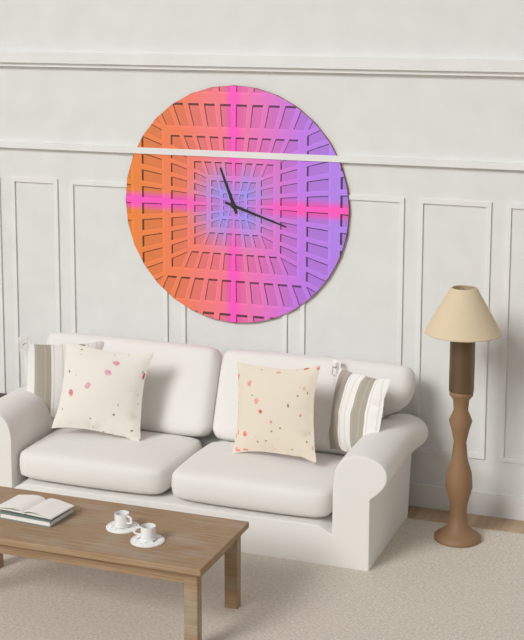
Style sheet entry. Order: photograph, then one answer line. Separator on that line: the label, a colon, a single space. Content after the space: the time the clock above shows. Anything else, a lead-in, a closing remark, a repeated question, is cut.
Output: 11:18
